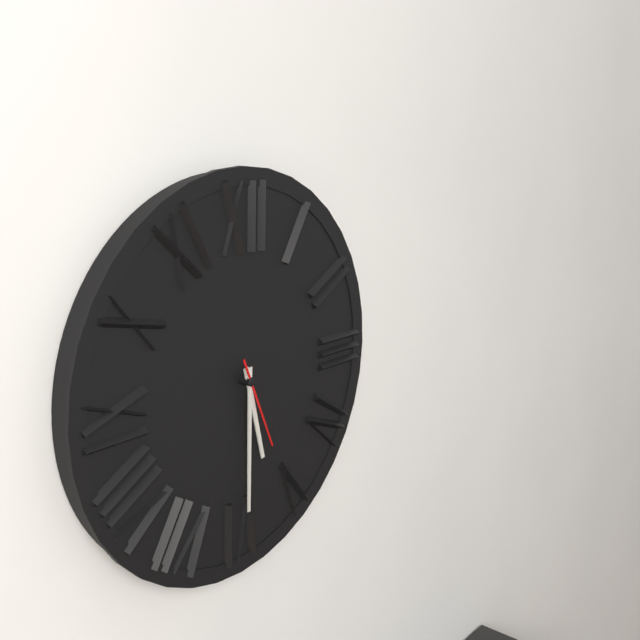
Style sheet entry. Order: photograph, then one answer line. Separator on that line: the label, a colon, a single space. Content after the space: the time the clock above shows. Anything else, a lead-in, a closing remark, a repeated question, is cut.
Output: 5:30:26
